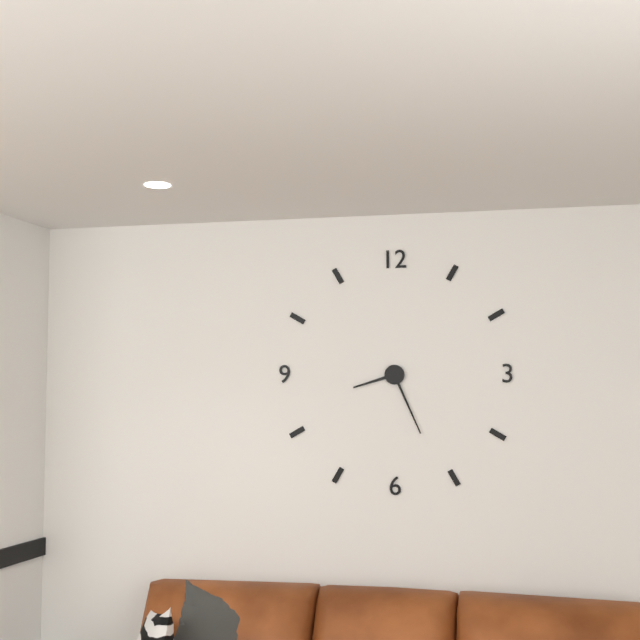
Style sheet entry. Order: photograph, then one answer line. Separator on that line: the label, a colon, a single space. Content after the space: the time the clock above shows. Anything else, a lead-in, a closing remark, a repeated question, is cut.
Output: 8:26
